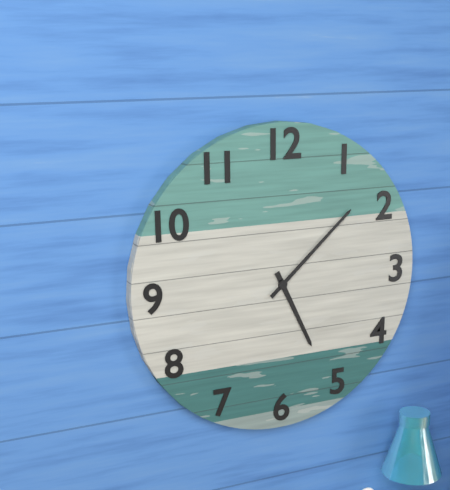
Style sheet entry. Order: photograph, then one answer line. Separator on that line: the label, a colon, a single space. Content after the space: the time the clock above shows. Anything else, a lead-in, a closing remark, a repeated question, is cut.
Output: 5:08
